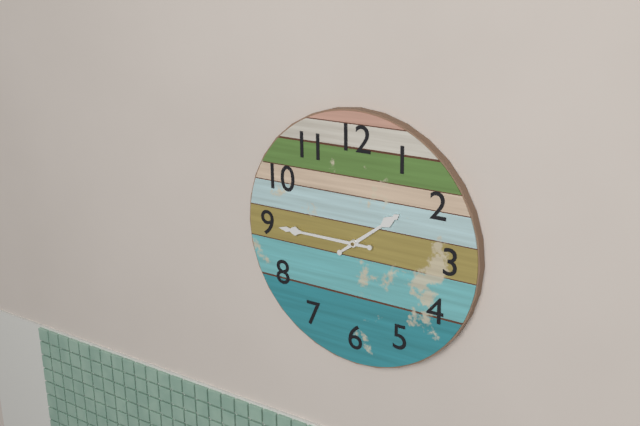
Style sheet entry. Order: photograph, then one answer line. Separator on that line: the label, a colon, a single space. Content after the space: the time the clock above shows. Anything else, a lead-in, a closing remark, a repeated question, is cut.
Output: 1:45
